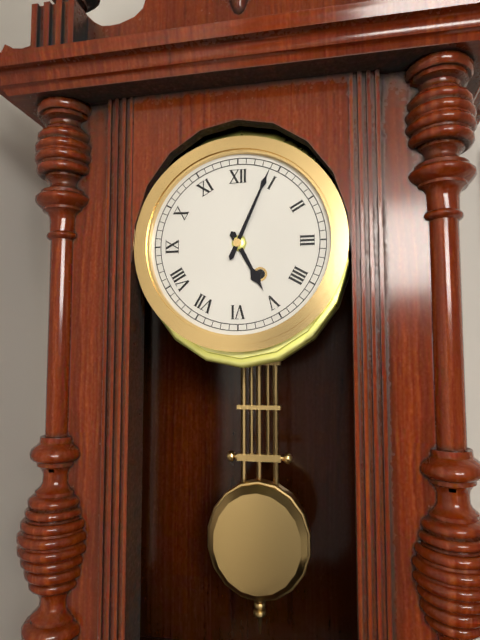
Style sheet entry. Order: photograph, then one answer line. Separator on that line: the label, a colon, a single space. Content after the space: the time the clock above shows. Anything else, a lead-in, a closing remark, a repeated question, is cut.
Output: 5:04
